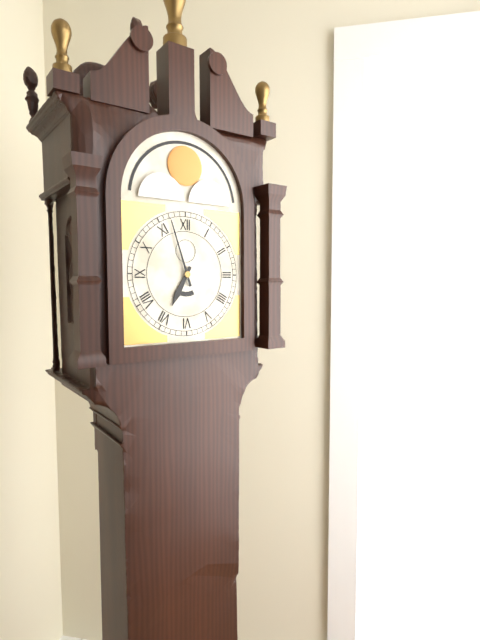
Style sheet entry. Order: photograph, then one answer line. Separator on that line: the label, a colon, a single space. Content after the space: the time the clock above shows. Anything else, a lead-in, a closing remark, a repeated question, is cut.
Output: 6:57
